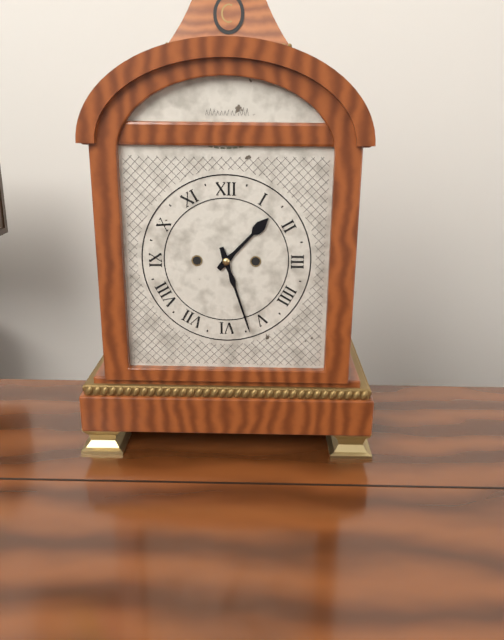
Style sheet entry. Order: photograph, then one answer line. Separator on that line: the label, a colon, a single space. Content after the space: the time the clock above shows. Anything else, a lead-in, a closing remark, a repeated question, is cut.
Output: 1:27
